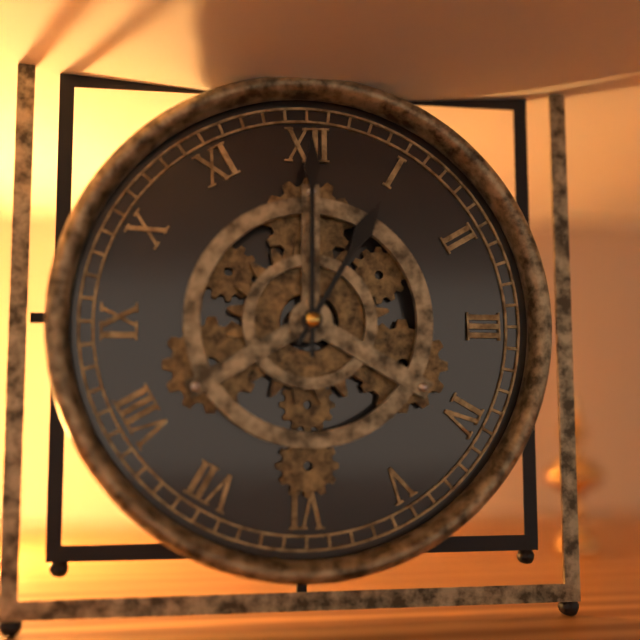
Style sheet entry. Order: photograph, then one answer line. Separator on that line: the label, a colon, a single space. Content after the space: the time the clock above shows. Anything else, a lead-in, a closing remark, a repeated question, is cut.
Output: 1:00
